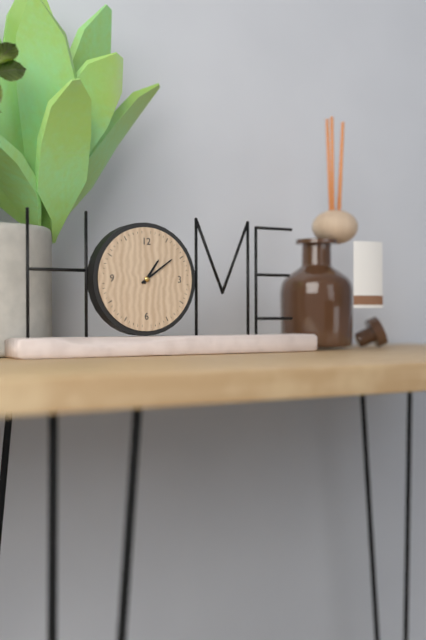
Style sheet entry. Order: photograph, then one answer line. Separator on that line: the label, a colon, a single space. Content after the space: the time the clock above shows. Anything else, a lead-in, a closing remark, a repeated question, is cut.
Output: 1:09
